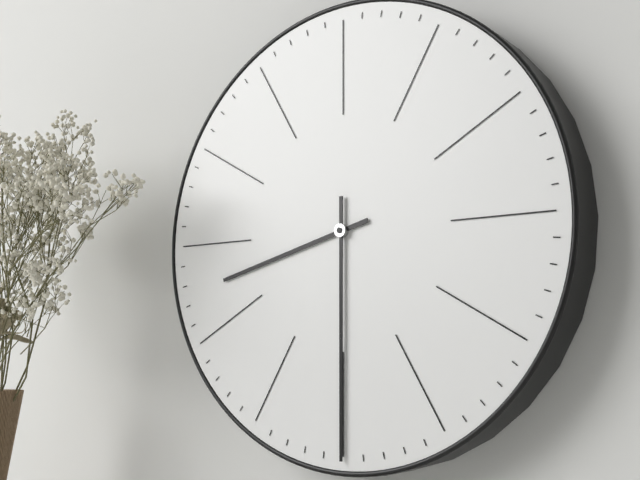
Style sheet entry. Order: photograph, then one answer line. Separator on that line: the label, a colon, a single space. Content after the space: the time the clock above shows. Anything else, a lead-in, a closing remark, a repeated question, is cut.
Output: 8:30
